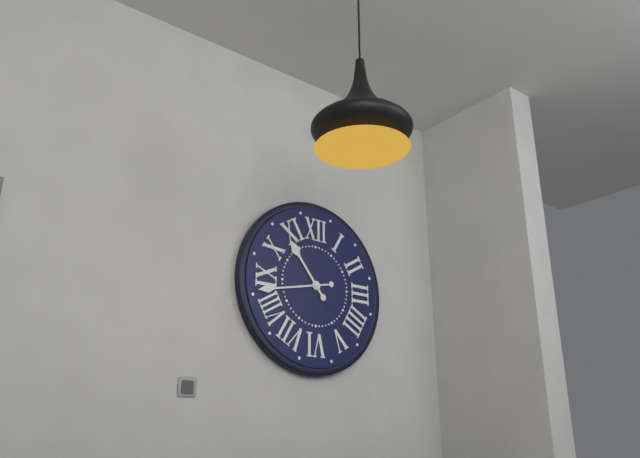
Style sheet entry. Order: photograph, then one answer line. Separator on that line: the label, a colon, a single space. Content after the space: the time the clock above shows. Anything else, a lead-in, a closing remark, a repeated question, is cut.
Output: 10:43
